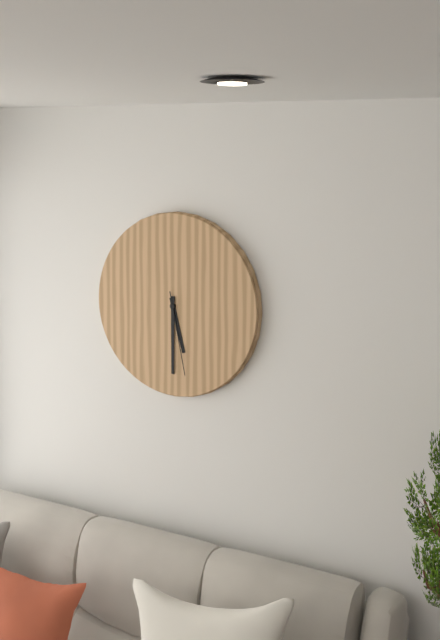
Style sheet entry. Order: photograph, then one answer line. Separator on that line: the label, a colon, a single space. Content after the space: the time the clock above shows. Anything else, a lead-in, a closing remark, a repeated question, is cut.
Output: 5:30:28
